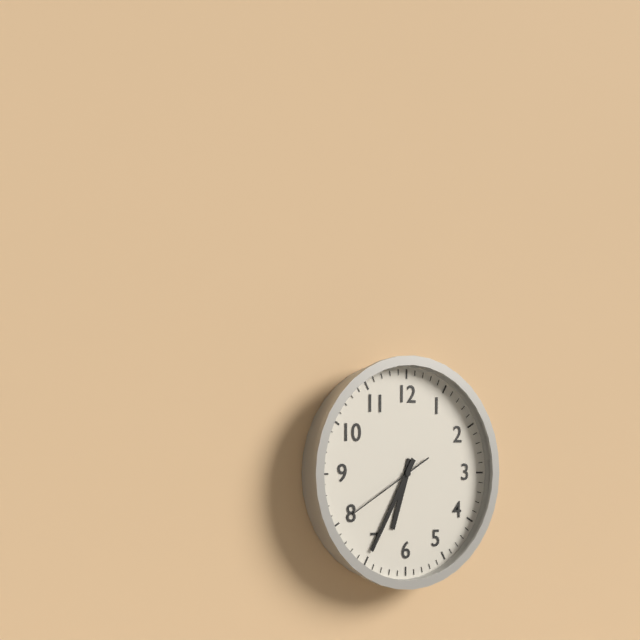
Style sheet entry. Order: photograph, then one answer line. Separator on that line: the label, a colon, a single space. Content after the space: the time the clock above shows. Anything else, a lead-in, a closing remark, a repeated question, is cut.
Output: 6:35:40
